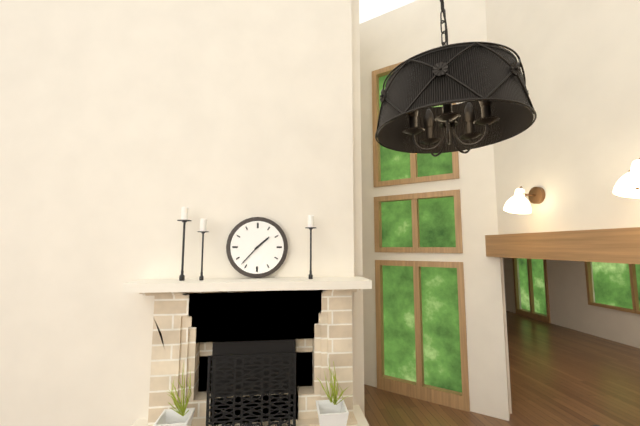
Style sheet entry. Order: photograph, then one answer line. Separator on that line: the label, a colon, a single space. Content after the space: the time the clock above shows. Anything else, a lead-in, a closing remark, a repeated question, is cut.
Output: 1:37
